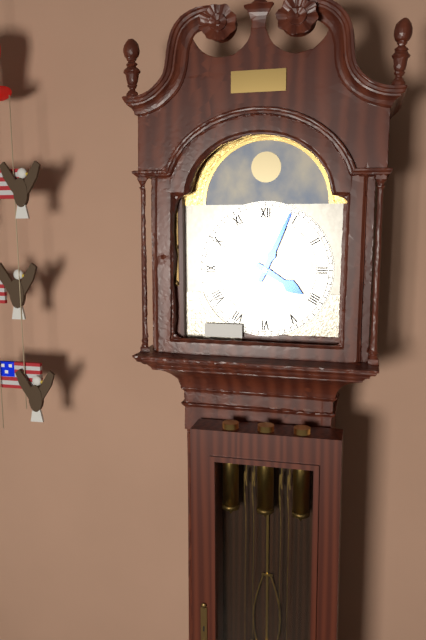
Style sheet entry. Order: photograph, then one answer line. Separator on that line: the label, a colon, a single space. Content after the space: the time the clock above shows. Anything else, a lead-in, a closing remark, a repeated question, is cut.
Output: 4:04
